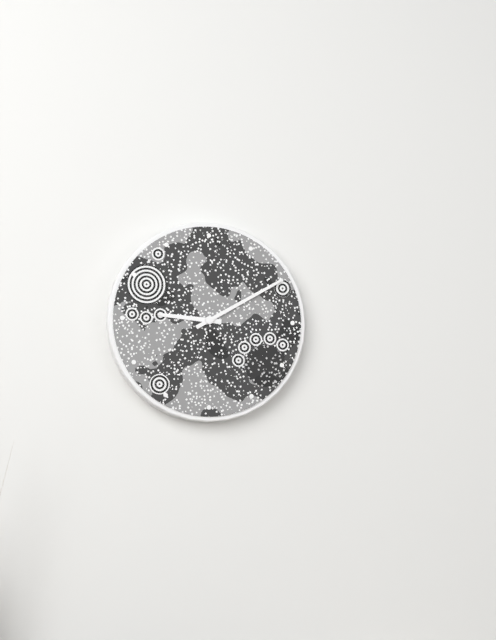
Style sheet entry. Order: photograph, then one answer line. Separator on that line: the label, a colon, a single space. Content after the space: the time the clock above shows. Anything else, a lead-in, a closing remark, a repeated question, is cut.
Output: 9:10
